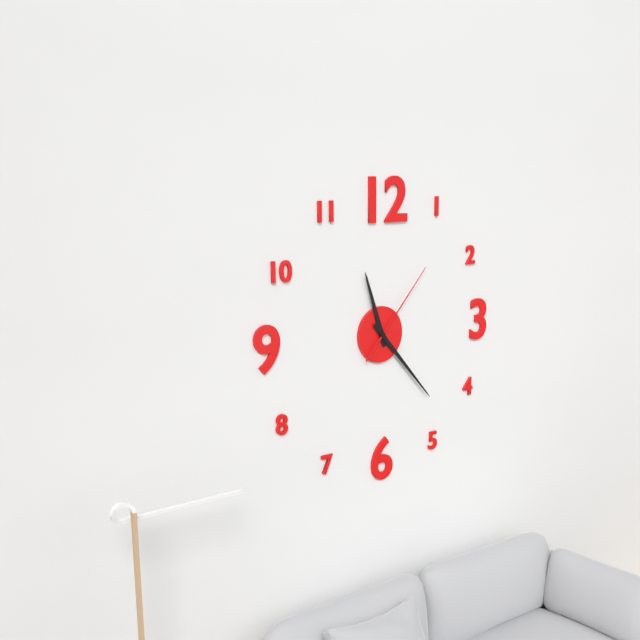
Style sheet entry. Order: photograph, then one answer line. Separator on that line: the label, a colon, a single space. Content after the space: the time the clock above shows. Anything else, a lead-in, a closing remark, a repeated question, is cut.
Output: 11:23:07
